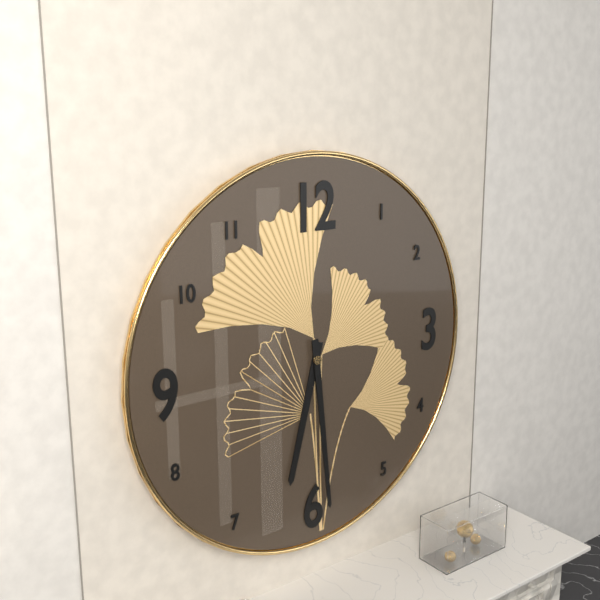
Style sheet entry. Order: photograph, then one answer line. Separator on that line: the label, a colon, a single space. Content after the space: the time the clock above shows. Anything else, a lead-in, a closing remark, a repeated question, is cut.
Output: 6:29
